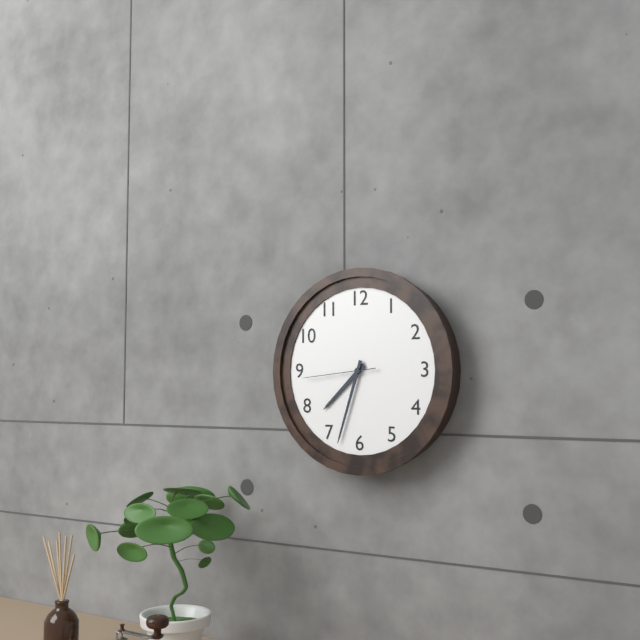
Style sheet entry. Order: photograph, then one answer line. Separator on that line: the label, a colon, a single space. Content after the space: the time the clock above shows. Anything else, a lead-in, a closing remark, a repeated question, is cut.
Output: 7:33:44
